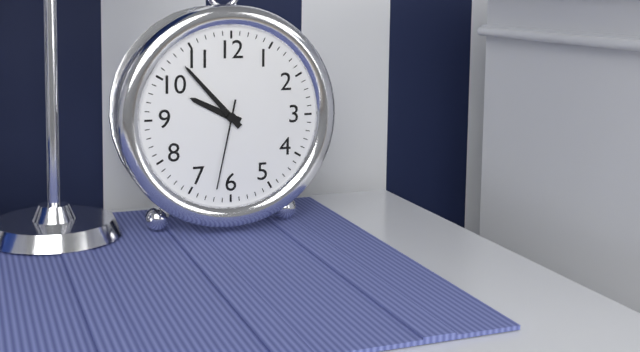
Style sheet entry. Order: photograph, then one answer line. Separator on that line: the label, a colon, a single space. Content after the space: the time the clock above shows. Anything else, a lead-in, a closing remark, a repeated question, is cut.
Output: 9:53:32
